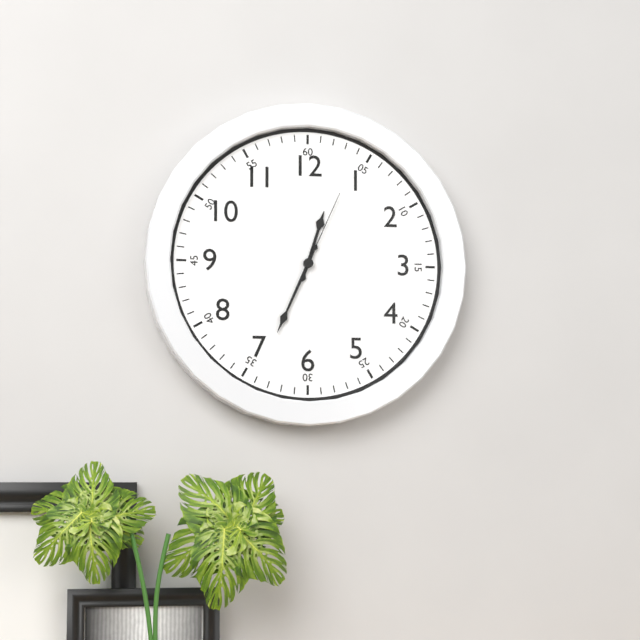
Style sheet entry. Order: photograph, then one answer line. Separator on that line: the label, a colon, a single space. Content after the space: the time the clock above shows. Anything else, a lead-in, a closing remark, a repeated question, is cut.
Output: 12:34:04
